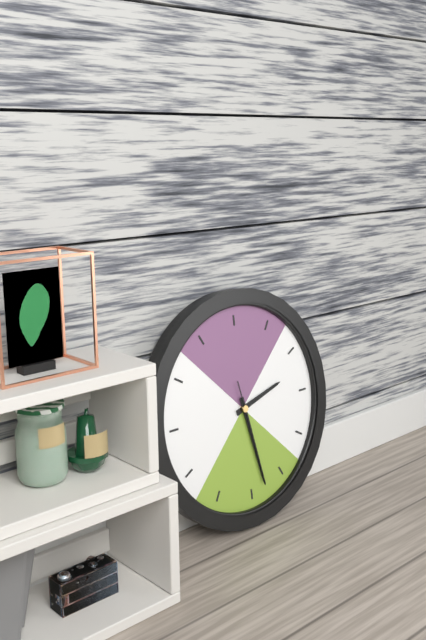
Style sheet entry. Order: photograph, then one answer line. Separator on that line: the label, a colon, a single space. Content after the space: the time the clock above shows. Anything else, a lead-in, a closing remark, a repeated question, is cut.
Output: 2:28:28
